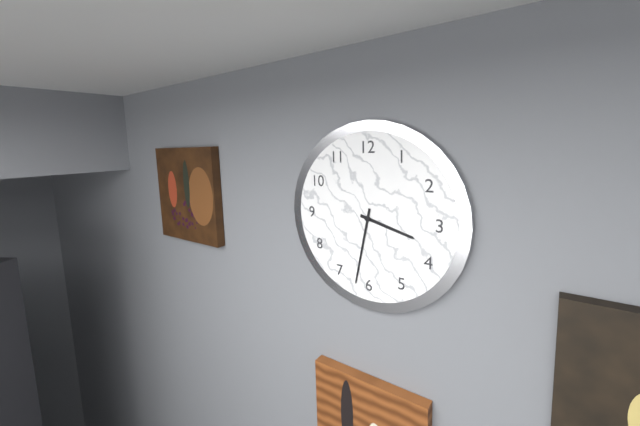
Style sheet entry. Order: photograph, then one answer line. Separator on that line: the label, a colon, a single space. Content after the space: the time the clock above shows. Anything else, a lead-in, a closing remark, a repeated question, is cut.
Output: 3:32
